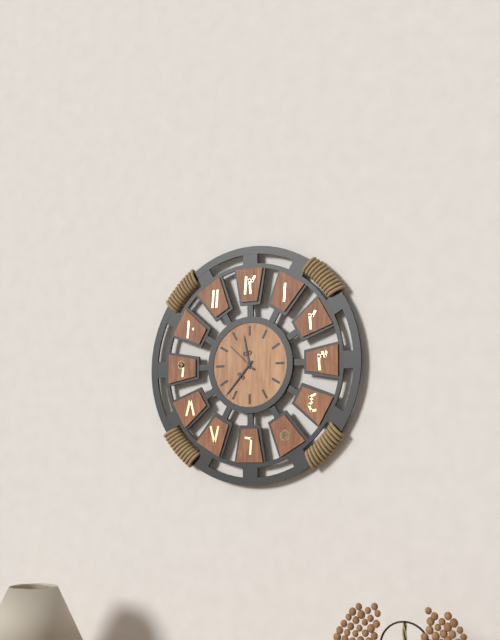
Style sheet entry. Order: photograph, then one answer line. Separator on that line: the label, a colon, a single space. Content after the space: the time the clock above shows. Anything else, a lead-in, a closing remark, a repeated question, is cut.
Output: 11:37
